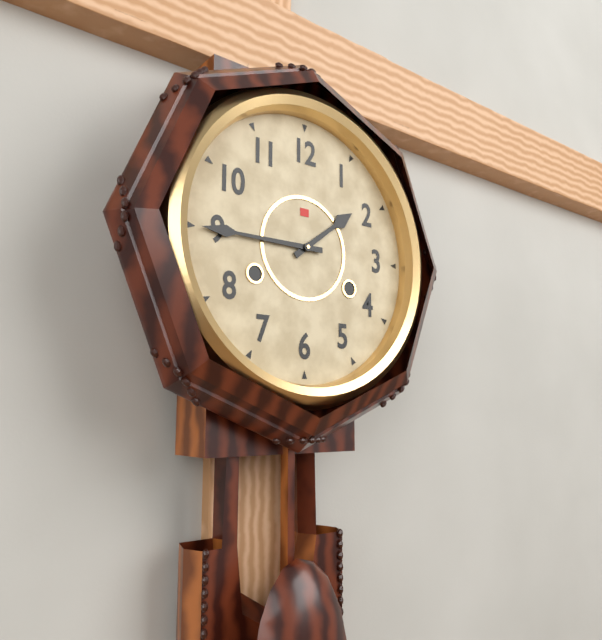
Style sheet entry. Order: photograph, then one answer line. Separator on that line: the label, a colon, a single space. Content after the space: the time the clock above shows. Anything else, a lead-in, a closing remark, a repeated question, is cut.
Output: 1:45
